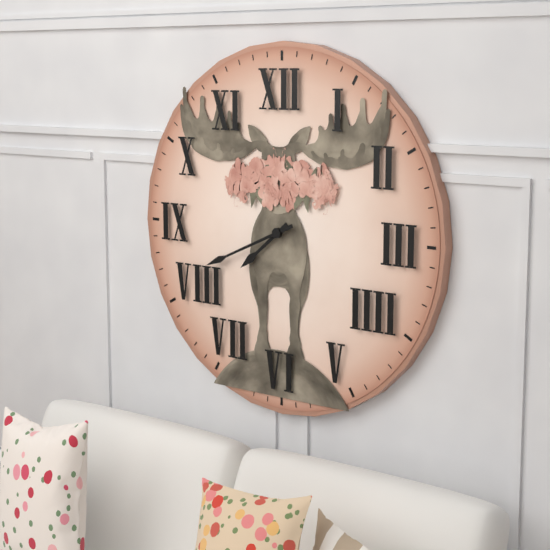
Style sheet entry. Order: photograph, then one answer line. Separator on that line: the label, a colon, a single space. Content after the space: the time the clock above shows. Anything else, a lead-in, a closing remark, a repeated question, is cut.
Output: 7:41
